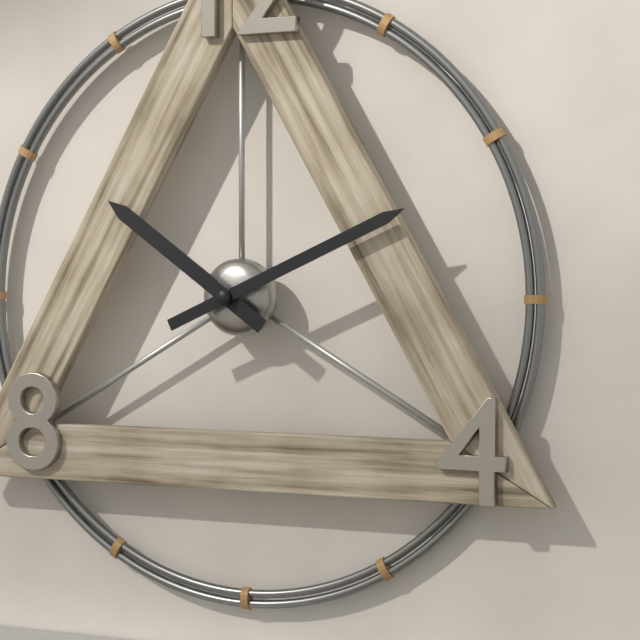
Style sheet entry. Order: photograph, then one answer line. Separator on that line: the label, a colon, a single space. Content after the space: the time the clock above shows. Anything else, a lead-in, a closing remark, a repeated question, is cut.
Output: 10:11
